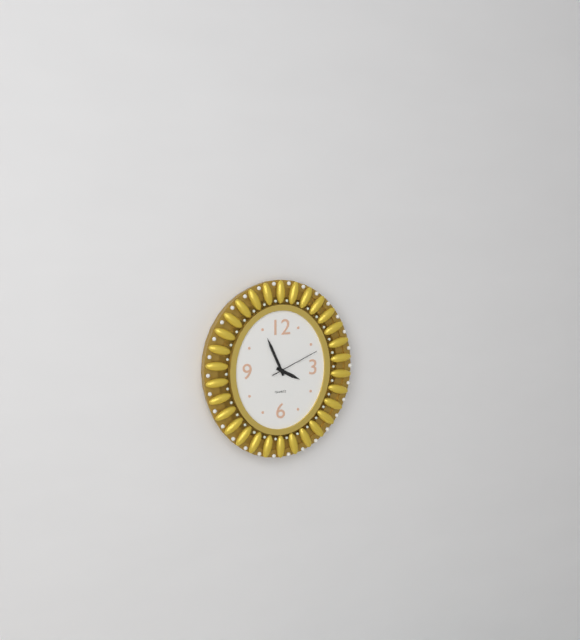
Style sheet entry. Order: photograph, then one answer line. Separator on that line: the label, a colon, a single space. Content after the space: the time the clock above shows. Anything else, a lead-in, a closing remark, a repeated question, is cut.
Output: 3:56
